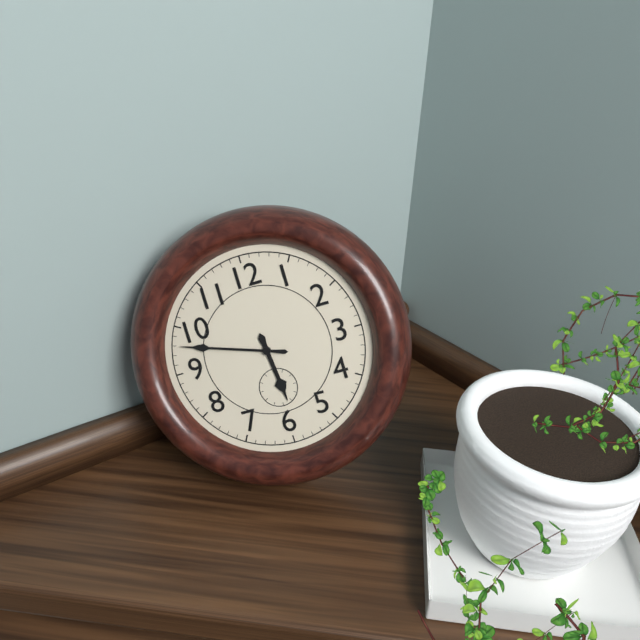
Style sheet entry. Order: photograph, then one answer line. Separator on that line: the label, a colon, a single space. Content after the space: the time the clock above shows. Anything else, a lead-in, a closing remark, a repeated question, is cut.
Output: 5:48
